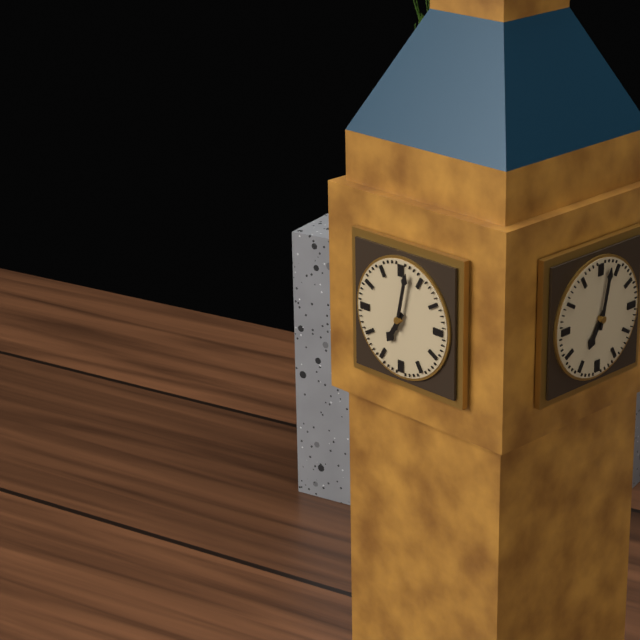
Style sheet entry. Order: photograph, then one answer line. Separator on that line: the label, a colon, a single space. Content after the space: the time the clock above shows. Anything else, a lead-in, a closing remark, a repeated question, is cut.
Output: 7:02
